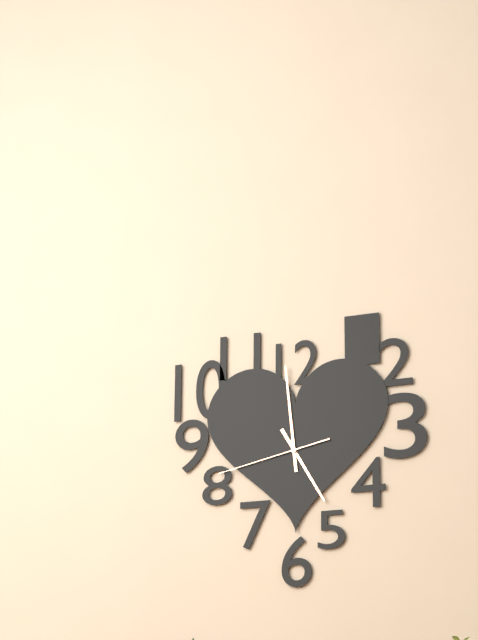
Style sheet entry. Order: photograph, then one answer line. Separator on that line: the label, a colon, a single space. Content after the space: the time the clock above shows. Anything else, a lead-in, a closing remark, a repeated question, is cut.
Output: 4:59:43
